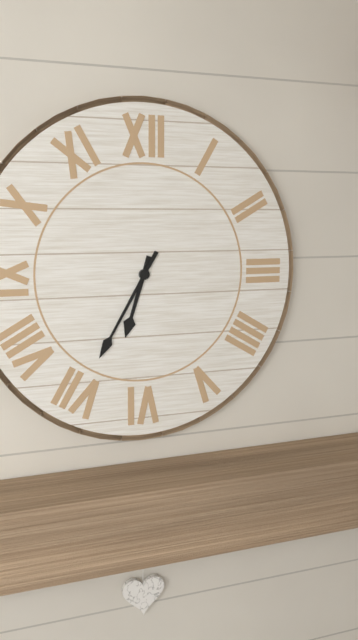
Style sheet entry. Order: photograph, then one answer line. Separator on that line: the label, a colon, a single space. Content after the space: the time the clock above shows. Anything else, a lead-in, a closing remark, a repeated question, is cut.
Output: 6:35
